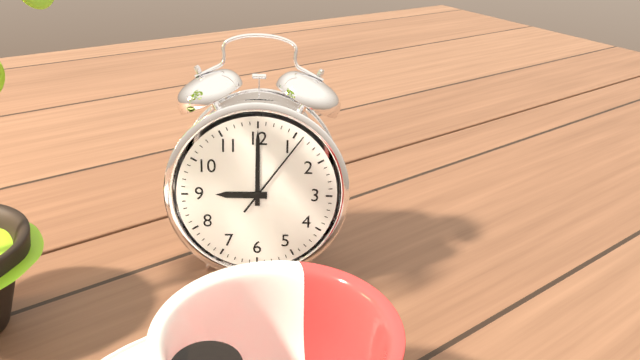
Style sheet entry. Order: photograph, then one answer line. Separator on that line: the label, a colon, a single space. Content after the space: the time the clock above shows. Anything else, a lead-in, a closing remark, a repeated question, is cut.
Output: 9:00:06
